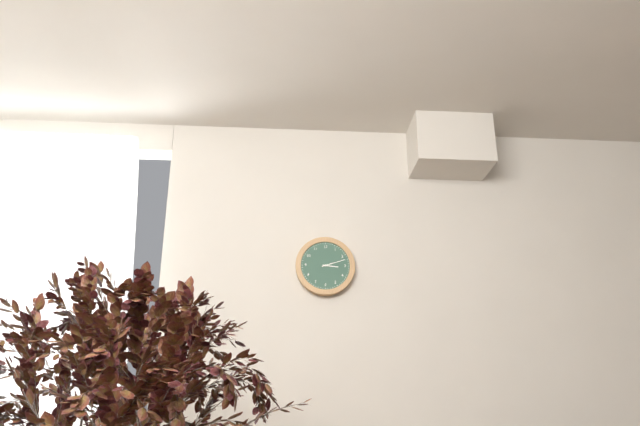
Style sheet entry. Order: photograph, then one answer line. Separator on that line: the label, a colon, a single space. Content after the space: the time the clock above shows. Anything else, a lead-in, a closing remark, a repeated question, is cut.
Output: 3:12
